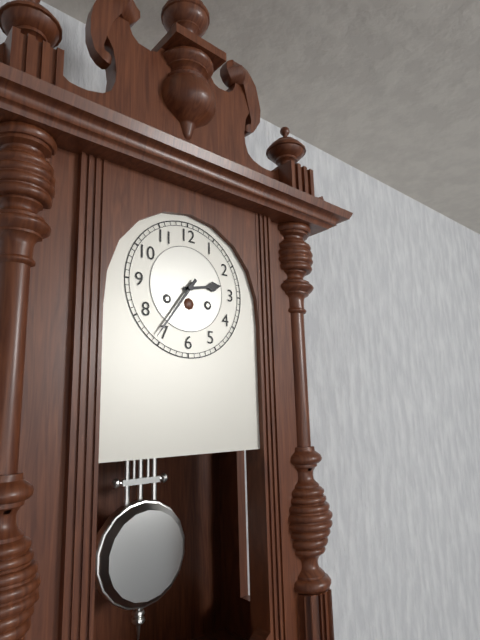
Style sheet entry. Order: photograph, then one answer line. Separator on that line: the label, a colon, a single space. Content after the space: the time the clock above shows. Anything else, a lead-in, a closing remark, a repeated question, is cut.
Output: 2:36
